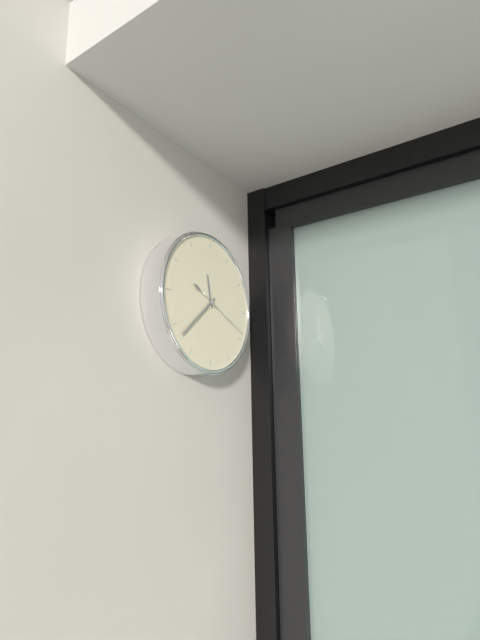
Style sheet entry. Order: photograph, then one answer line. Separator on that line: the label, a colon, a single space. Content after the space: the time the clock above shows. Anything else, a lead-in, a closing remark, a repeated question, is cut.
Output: 11:38:19
